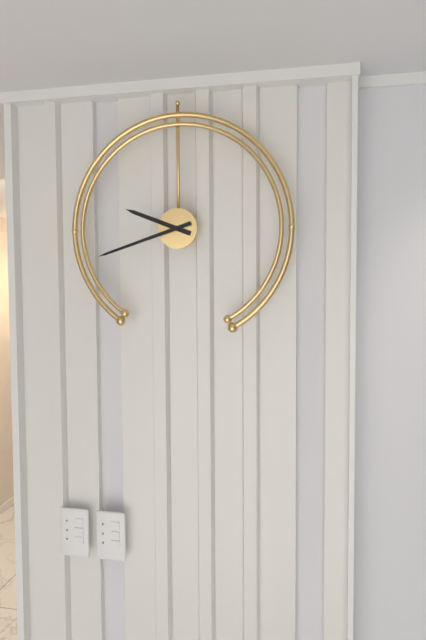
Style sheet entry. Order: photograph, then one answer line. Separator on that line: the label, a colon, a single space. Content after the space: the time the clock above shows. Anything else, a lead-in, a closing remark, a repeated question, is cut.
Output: 9:42
